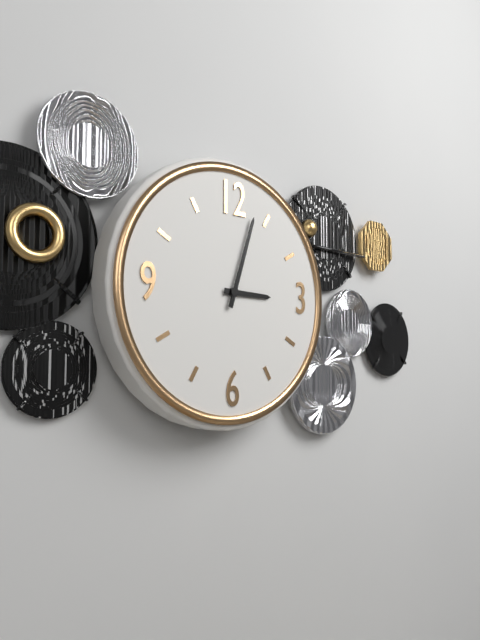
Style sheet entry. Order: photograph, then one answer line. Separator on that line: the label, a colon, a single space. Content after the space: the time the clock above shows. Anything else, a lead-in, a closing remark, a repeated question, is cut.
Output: 3:03
